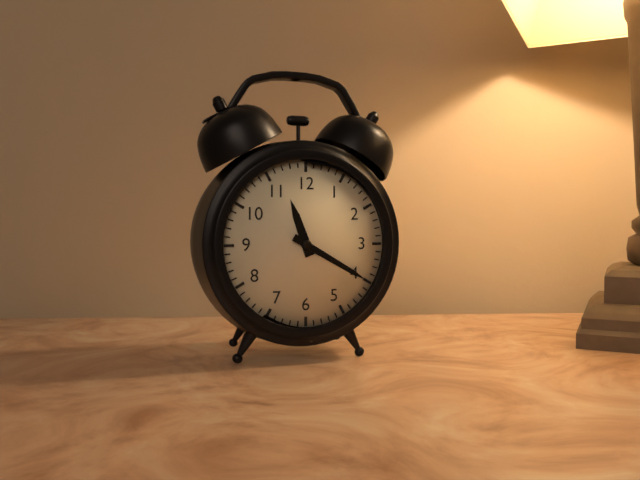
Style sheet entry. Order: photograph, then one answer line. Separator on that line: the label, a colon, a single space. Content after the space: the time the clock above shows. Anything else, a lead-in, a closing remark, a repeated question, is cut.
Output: 11:20
